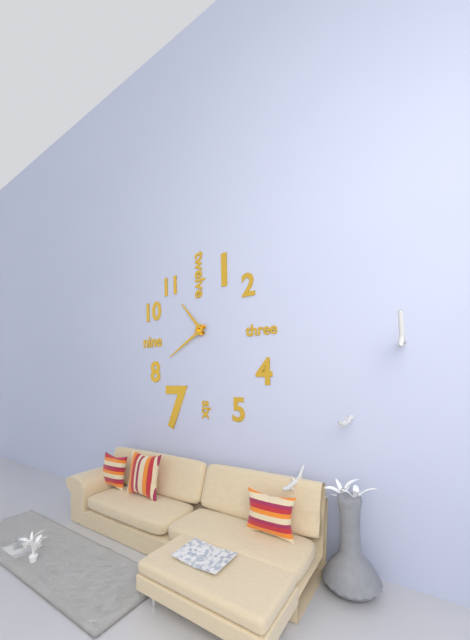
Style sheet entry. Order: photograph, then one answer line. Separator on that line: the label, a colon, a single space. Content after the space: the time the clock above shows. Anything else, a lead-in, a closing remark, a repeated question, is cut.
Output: 10:40
